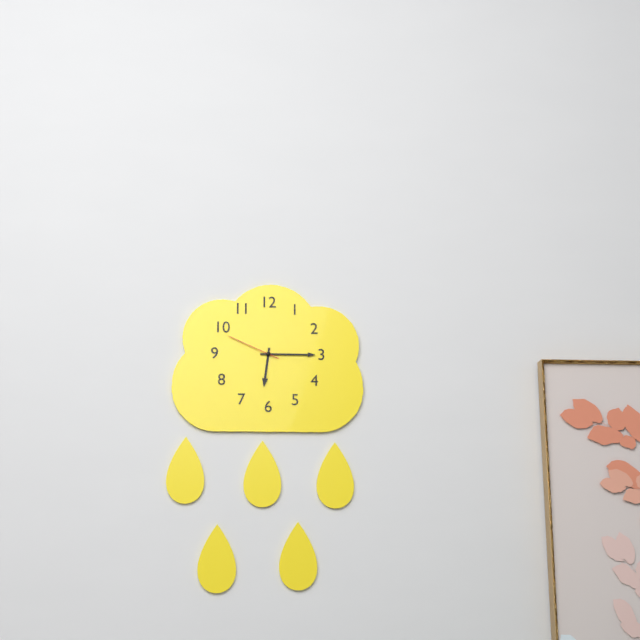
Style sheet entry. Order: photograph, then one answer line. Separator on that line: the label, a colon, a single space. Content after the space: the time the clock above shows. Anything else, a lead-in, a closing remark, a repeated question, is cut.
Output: 6:15:49
